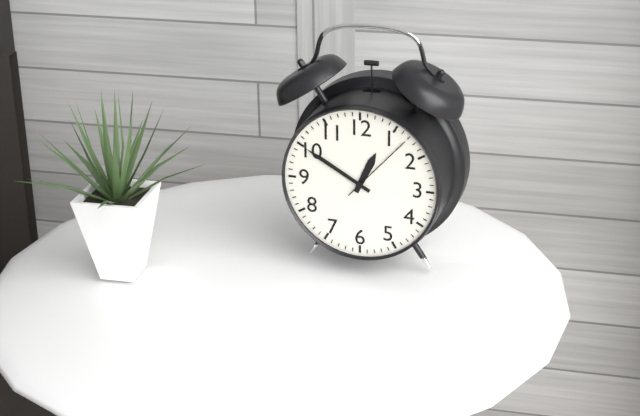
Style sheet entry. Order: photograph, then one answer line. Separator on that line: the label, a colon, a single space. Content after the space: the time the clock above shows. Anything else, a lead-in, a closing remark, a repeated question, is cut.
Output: 12:50:07
